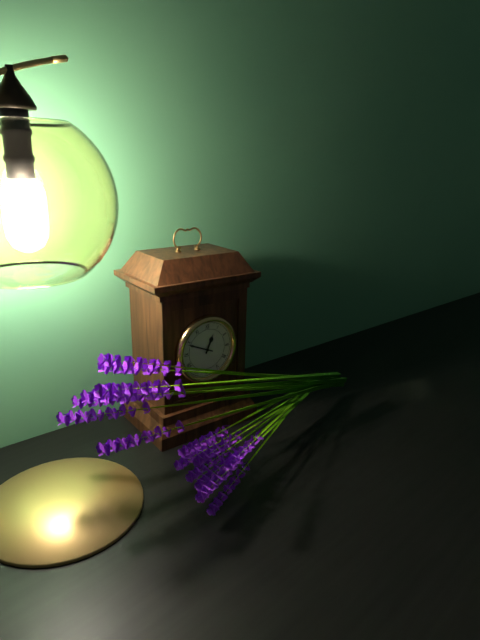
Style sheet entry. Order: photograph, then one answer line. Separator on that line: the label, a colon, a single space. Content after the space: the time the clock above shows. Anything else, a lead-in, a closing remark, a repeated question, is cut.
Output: 12:49
